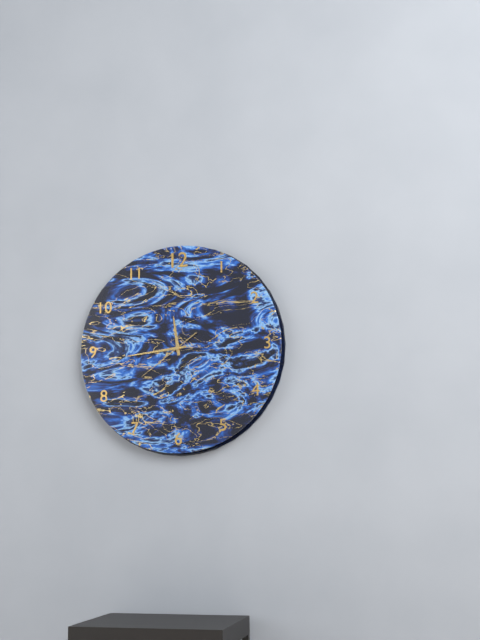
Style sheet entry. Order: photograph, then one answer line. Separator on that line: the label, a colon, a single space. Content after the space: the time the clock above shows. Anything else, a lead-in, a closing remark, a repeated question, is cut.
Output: 11:44:39
